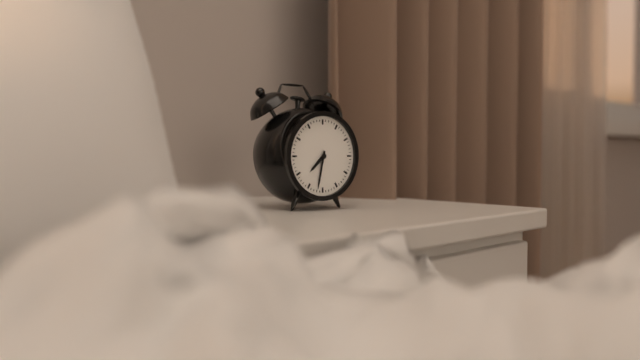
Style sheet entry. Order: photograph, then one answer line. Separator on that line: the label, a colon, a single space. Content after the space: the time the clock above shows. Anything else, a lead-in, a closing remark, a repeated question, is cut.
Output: 7:32
